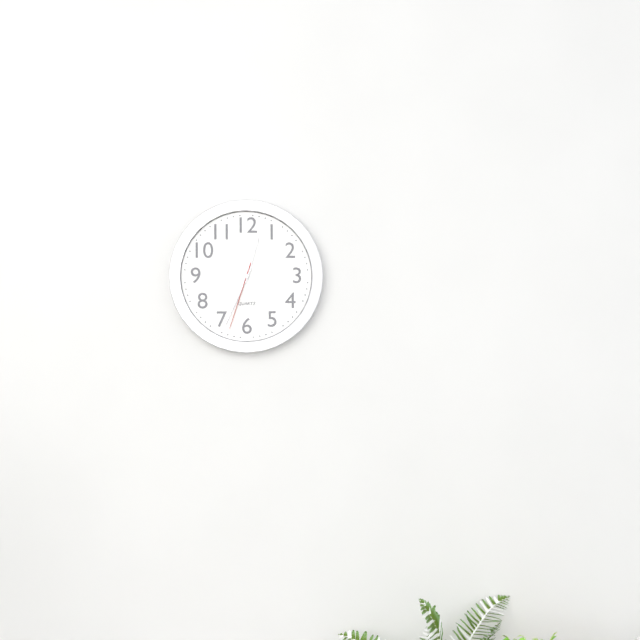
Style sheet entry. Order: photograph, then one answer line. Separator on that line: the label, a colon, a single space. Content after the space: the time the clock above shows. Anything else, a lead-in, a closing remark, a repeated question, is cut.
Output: 12:34:33
